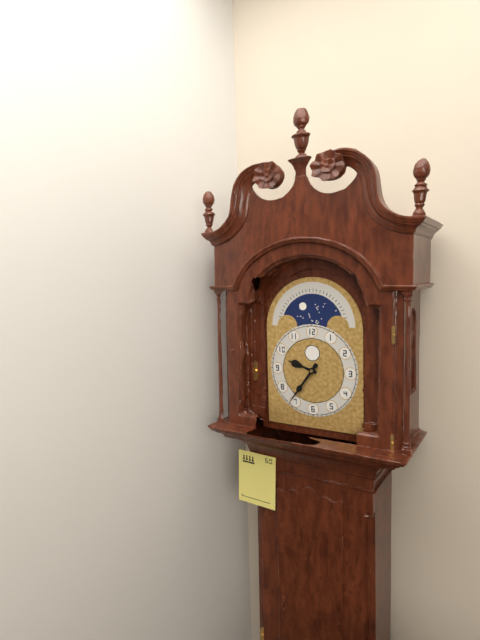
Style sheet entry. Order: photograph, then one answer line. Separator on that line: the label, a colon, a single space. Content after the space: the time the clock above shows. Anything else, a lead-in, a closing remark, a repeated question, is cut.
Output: 9:36
